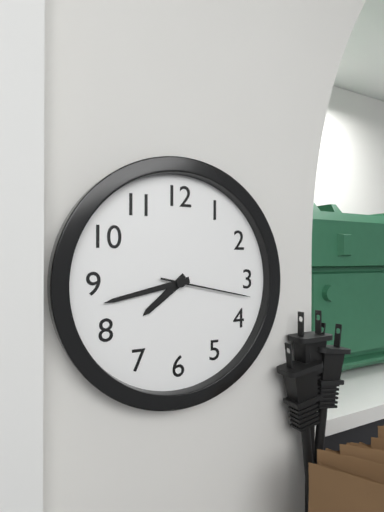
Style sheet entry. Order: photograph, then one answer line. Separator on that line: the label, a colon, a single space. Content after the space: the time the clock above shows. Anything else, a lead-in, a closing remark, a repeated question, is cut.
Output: 7:43:17
